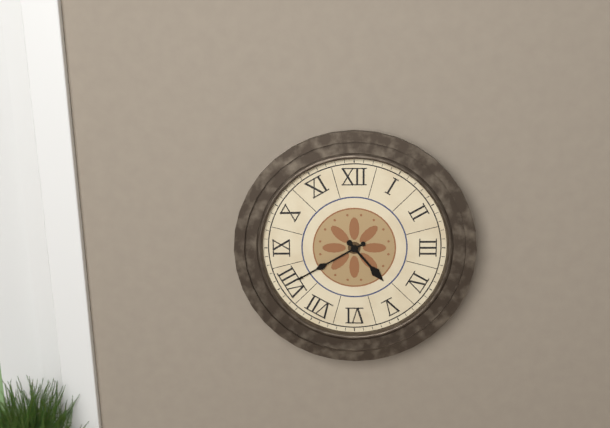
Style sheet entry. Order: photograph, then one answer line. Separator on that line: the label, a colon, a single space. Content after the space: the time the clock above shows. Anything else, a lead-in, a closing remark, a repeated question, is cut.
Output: 4:40
